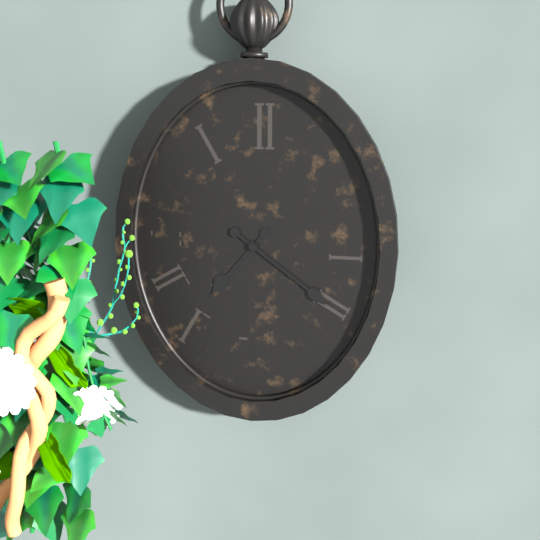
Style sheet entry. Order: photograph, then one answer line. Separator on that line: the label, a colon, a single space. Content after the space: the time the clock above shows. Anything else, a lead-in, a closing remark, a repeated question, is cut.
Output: 7:21
